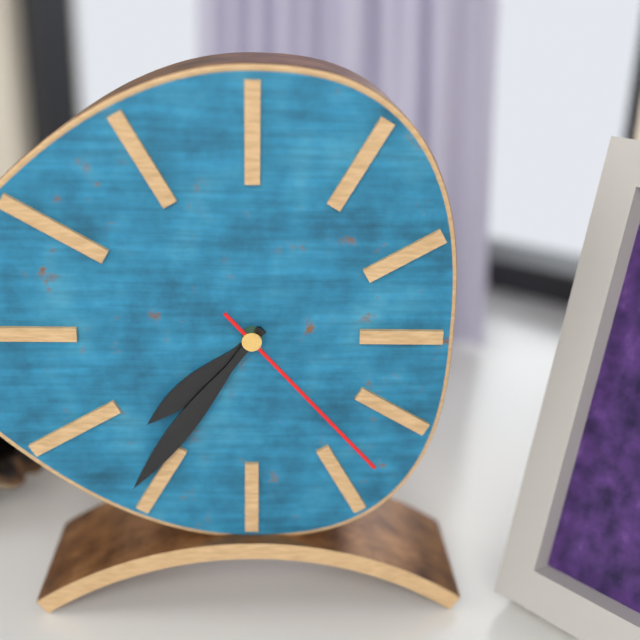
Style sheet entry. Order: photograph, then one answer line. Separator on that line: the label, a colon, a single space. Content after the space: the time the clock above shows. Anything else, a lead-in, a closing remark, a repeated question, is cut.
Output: 7:36:23
